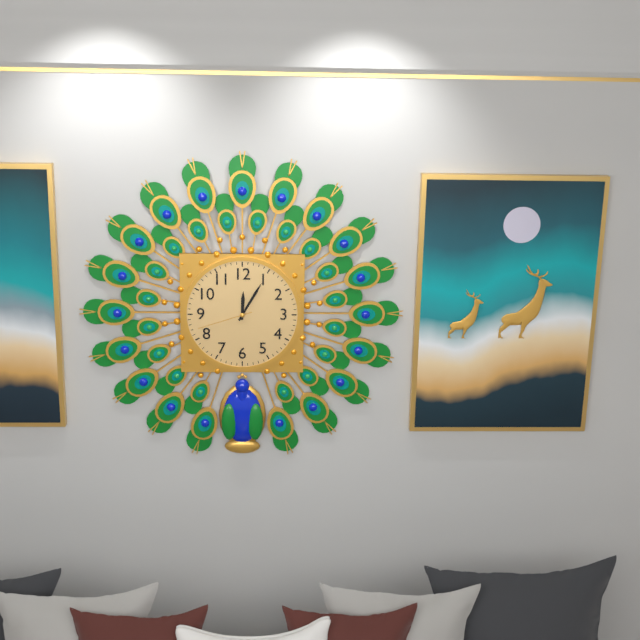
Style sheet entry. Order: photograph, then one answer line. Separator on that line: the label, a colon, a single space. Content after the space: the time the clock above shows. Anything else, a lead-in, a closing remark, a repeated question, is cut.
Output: 12:05:42
